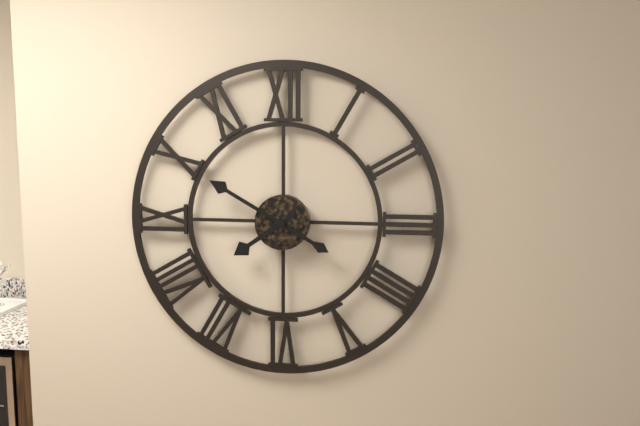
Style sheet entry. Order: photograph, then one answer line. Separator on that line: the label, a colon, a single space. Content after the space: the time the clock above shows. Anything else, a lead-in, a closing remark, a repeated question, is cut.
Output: 7:50
